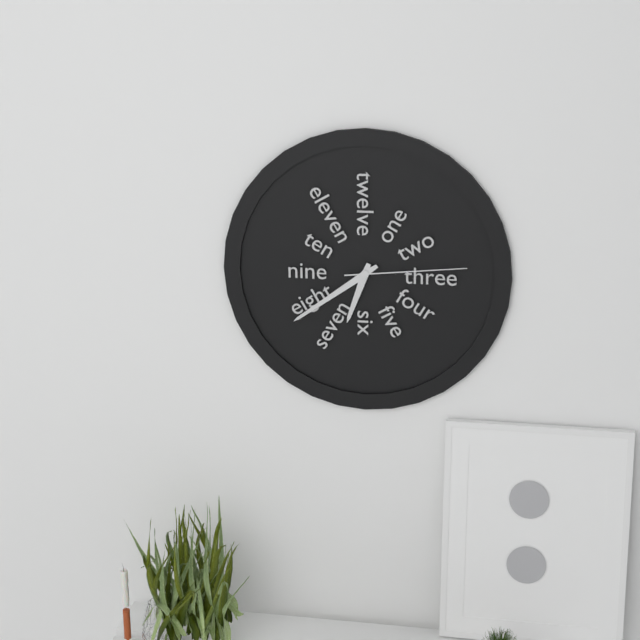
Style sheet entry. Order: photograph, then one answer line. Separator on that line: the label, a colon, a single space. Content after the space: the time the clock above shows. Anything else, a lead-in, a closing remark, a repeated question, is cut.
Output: 6:39:14
